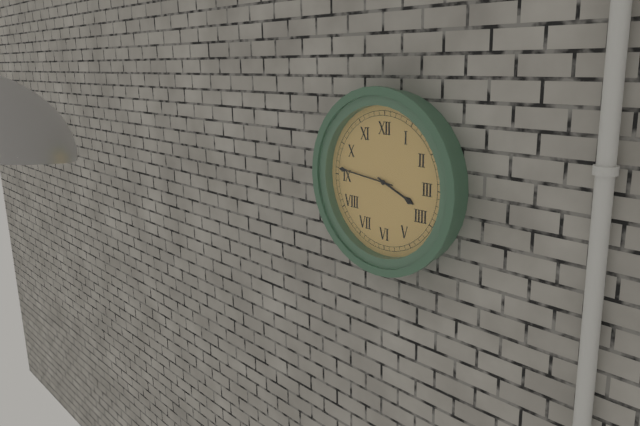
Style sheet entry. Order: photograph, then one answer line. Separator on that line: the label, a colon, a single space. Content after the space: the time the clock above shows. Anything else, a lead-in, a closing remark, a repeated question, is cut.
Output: 3:46
